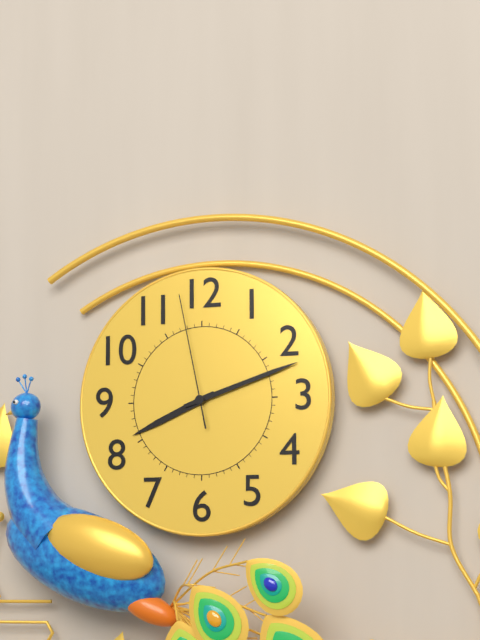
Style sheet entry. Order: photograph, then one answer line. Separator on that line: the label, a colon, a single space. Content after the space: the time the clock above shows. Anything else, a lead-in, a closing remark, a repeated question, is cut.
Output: 8:12:58
